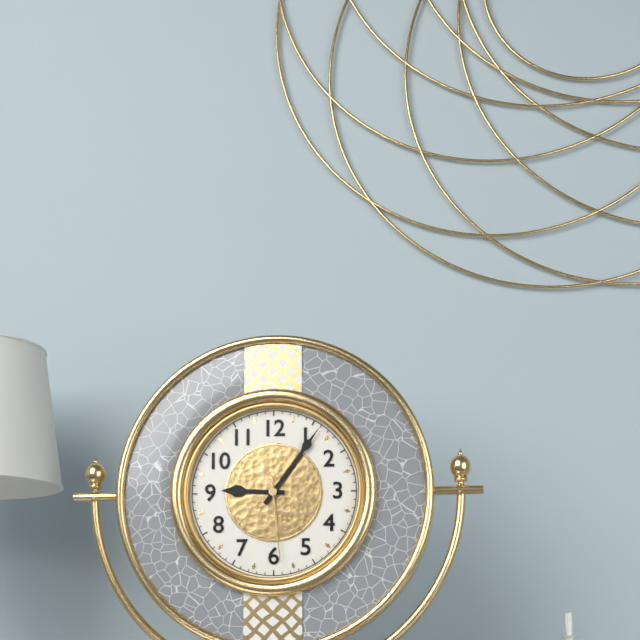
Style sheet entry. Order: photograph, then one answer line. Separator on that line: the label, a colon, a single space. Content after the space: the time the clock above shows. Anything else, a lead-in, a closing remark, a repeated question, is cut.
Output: 9:06:29
